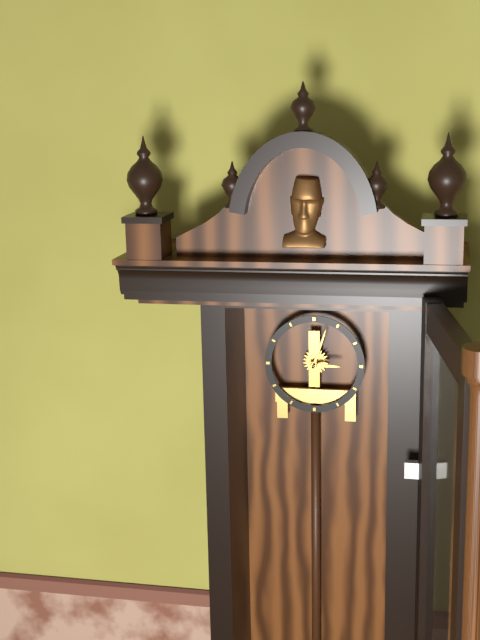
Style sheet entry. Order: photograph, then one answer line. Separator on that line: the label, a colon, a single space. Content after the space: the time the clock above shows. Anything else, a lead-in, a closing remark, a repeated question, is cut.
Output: 3:03
